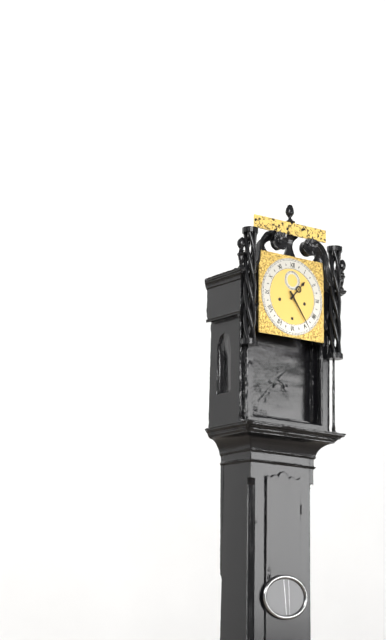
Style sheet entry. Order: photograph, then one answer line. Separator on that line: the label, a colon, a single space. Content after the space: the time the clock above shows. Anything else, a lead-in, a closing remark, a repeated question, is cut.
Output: 1:24
